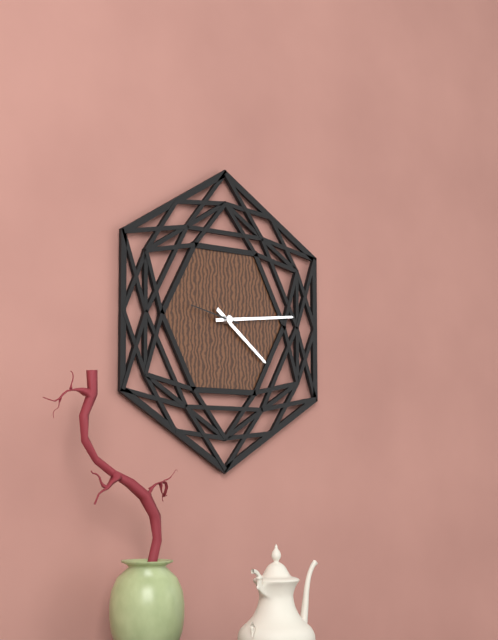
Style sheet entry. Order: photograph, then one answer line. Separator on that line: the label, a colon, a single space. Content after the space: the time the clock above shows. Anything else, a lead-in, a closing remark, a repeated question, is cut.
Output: 4:14:47
